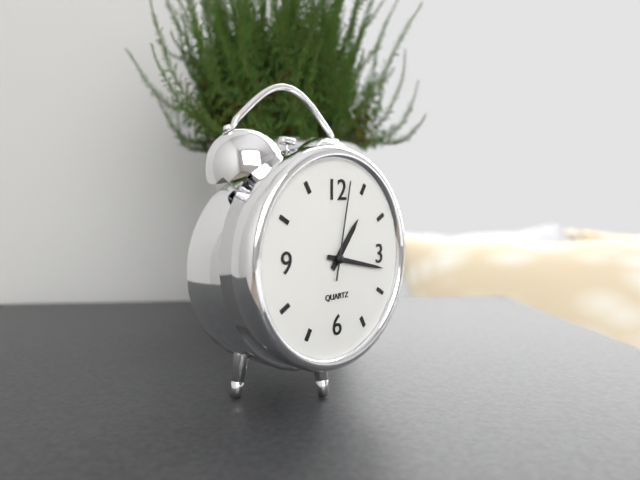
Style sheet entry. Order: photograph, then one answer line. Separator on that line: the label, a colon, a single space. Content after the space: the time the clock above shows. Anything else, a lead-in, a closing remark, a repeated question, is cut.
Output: 1:17:02
